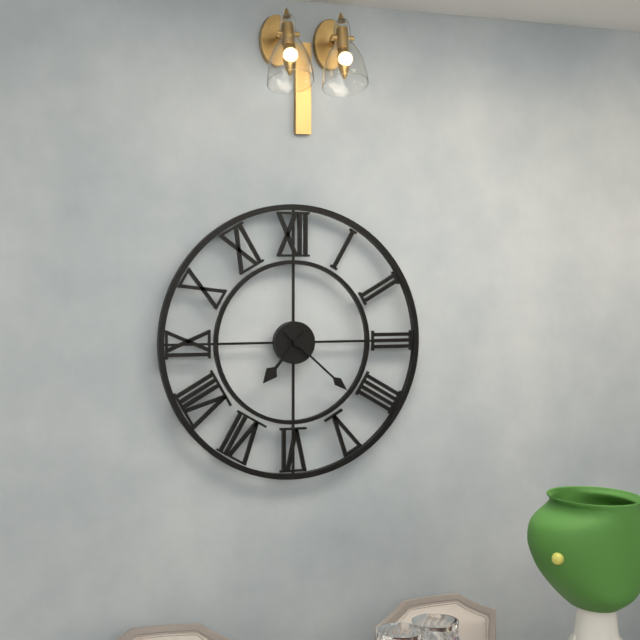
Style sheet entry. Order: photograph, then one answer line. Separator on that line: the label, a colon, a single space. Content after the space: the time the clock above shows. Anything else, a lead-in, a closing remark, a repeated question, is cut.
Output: 7:22
